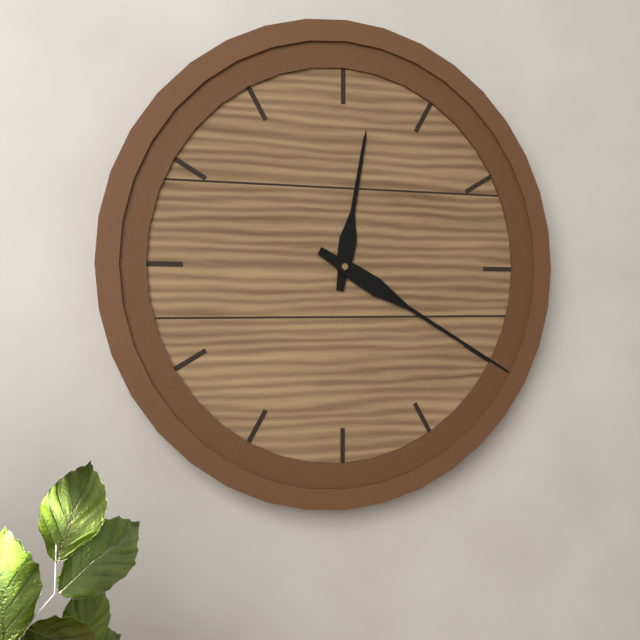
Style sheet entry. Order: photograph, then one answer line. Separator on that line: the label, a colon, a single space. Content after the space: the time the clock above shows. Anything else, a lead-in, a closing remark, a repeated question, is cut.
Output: 12:20
